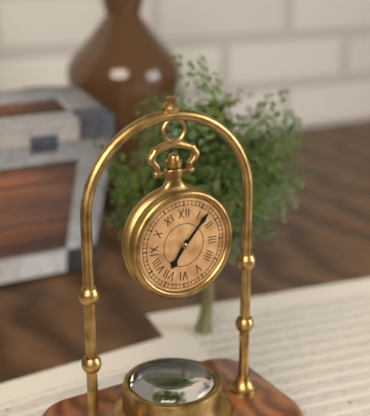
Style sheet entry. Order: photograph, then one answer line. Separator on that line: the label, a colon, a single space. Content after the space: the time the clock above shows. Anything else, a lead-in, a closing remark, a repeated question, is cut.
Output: 7:07
